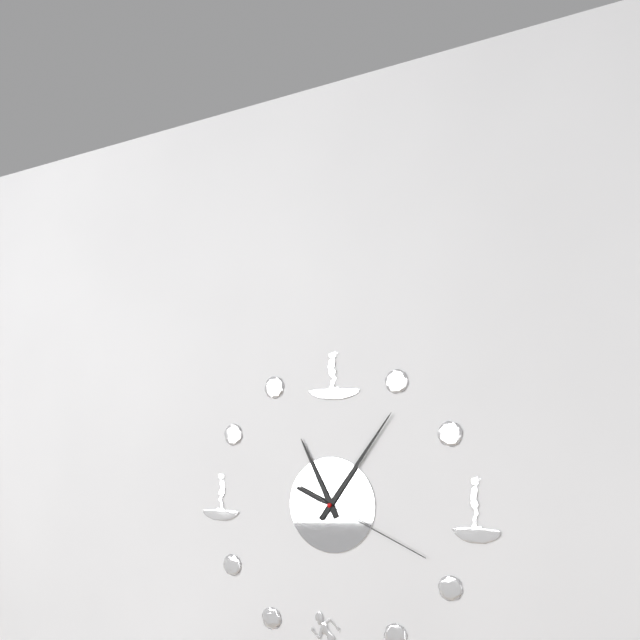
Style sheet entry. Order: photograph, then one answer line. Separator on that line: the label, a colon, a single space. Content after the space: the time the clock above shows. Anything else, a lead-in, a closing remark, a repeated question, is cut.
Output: 11:06:19
